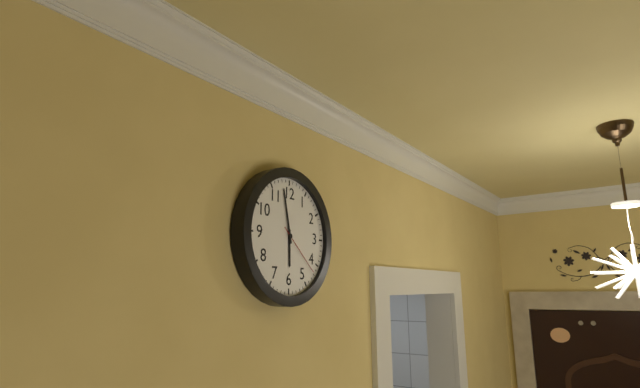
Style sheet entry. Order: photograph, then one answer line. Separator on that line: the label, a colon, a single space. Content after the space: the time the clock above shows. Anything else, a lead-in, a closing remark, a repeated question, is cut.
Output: 5:58:22
